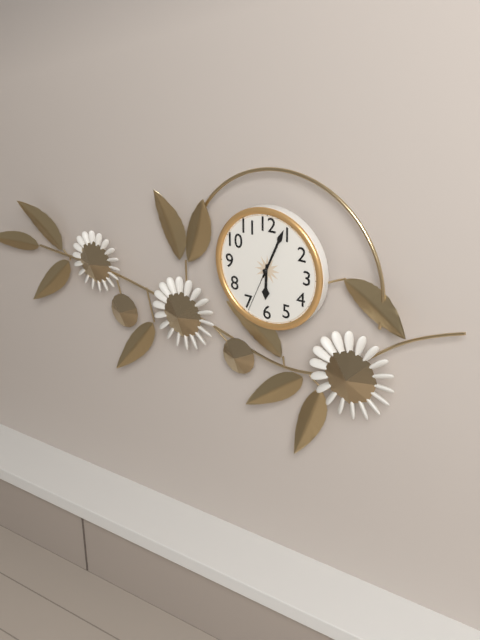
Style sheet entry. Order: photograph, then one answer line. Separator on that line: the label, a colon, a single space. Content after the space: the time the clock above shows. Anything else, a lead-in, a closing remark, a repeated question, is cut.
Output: 6:04:34
